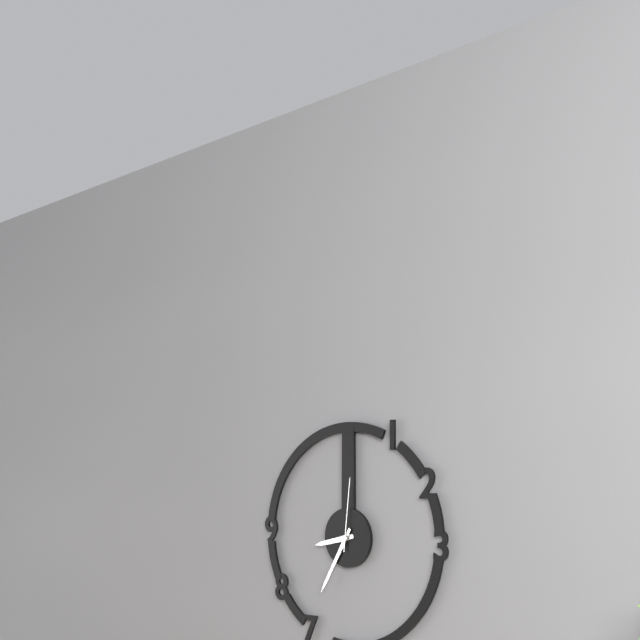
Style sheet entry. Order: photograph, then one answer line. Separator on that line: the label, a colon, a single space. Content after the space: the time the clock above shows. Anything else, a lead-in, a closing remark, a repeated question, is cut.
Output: 8:35:01
